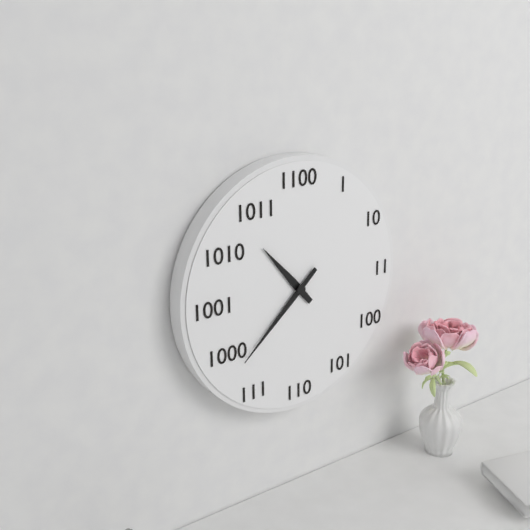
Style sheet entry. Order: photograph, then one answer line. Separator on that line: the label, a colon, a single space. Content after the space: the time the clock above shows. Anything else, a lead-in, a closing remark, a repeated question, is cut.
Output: 10:38
